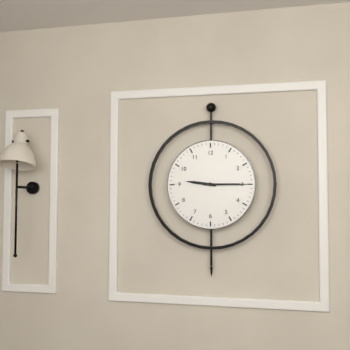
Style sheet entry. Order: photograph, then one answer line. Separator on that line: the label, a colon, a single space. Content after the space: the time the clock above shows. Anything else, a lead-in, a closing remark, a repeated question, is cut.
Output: 9:15
